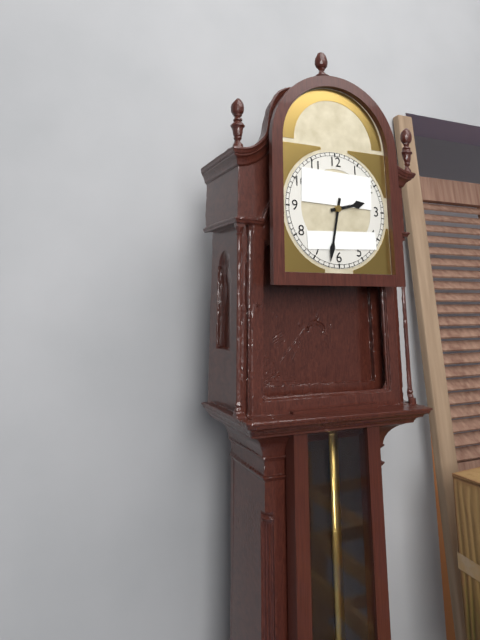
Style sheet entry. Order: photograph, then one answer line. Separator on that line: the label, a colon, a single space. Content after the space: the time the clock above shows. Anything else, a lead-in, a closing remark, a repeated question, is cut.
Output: 2:32
